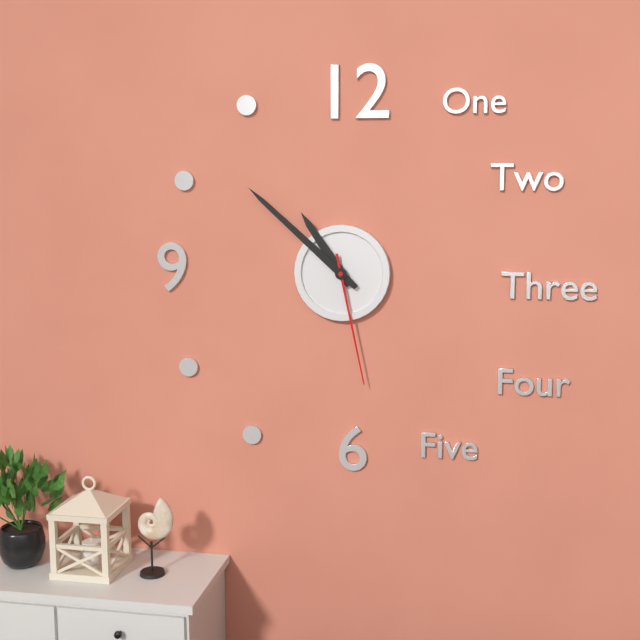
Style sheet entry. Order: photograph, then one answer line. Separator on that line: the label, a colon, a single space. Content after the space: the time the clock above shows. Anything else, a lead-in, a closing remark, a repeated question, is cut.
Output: 10:52:28
